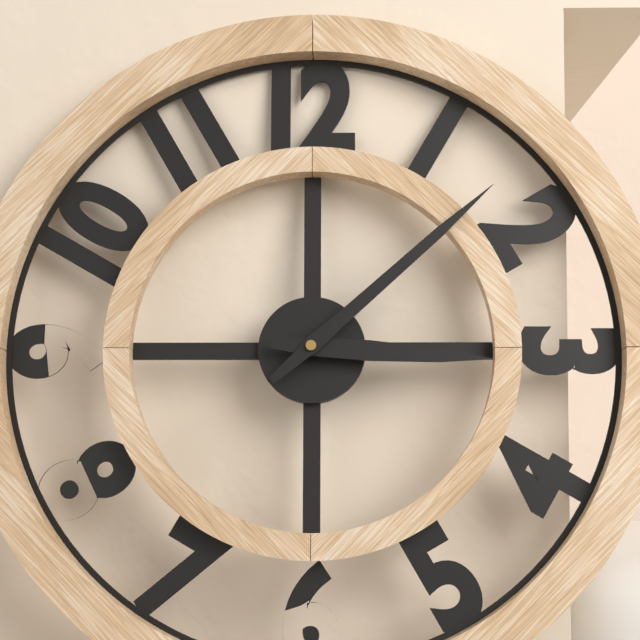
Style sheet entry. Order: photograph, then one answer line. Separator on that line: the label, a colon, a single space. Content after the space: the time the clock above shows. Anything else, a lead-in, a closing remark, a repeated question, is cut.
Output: 3:08
